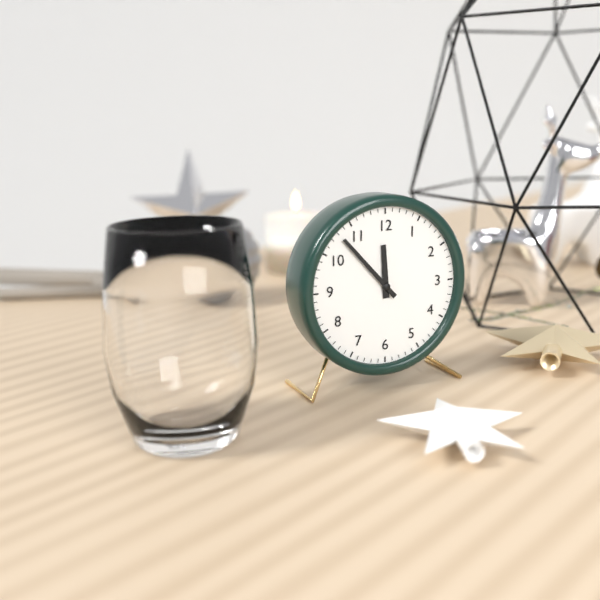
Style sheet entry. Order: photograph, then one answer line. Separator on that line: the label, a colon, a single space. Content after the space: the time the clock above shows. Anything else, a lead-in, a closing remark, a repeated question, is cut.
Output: 11:53
